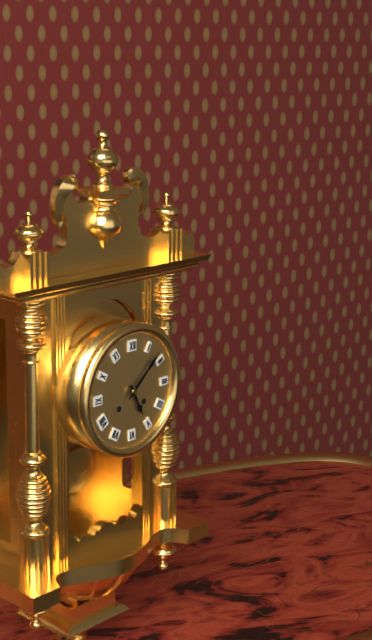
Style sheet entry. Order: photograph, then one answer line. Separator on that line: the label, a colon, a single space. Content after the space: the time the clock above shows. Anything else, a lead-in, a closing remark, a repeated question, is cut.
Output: 5:08
